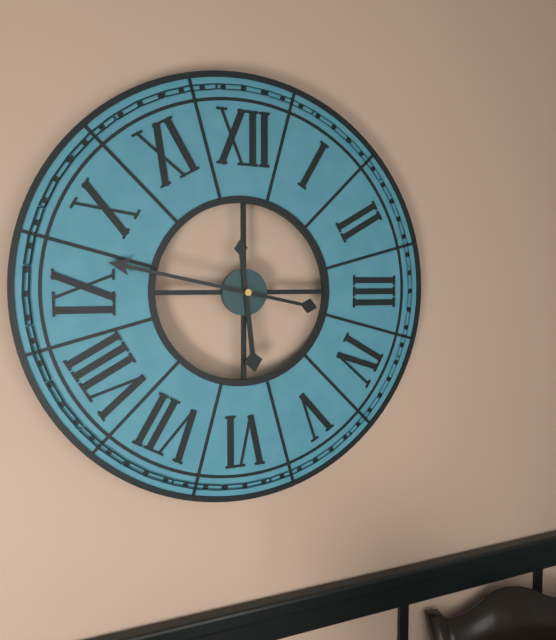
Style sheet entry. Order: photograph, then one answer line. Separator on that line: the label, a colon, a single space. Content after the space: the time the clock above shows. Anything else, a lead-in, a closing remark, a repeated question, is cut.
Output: 5:47
